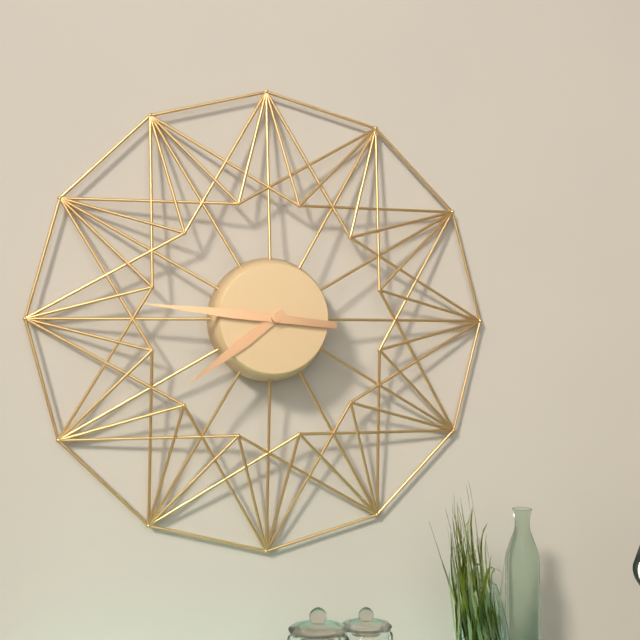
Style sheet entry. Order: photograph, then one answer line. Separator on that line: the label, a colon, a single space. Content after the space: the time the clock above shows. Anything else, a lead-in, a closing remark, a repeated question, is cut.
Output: 7:46
